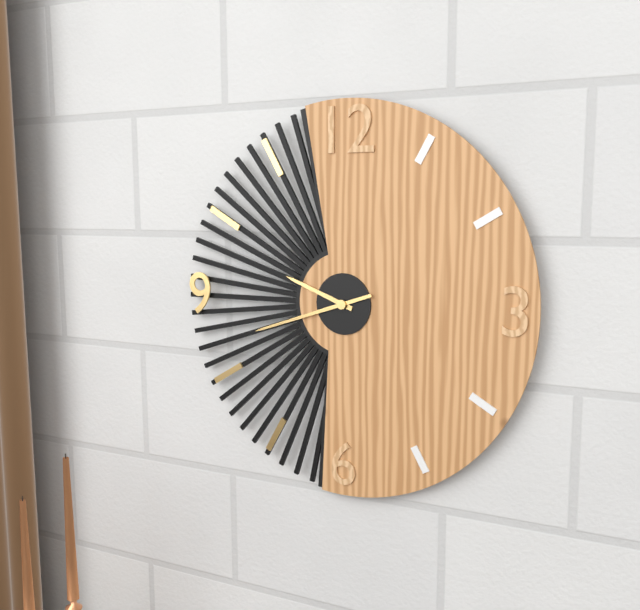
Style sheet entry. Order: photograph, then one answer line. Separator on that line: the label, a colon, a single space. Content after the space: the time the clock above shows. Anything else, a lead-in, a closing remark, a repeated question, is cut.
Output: 9:42
